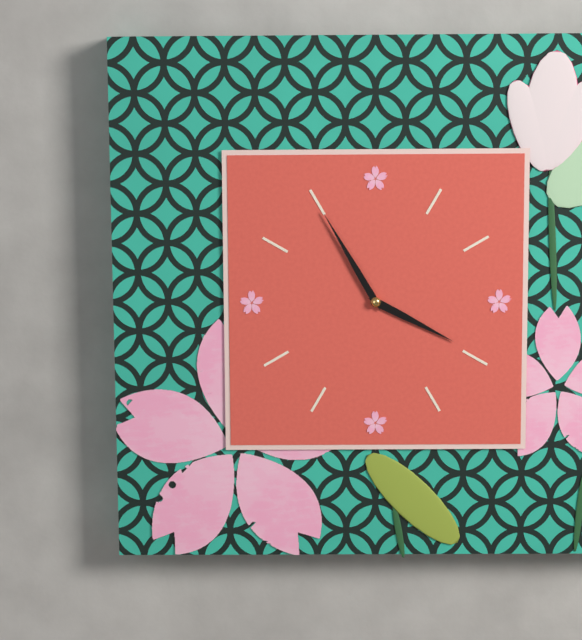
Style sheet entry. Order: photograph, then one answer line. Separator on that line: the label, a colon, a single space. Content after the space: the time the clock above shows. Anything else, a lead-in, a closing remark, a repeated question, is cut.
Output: 3:55
